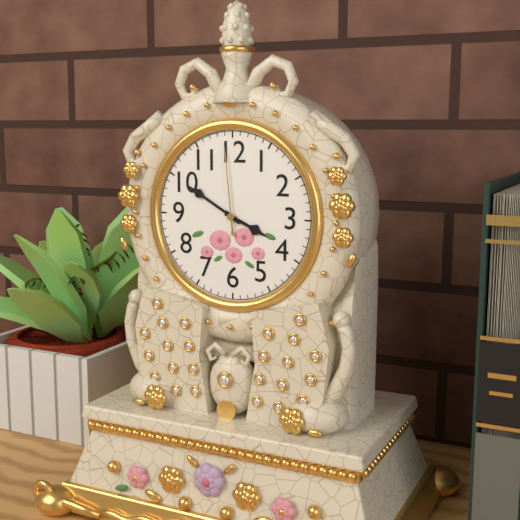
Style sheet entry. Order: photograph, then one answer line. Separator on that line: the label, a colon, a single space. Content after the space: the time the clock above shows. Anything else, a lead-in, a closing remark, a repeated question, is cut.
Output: 3:50:59
